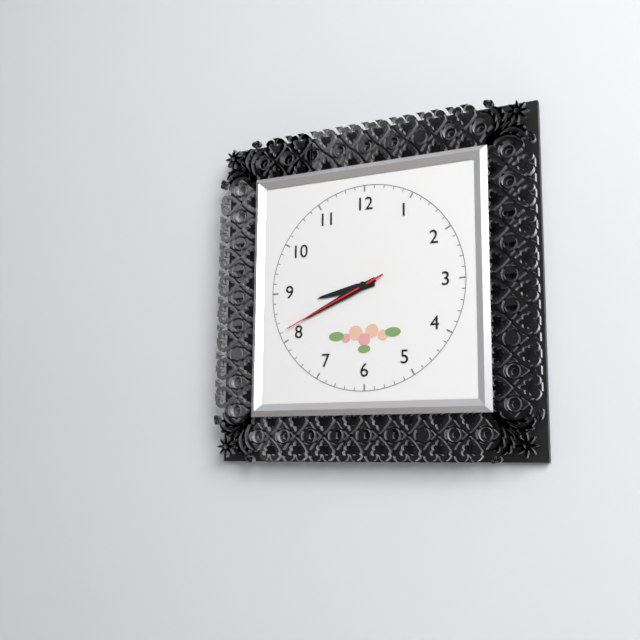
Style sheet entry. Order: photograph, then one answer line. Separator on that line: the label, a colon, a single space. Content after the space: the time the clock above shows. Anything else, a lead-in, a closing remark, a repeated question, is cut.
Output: 8:41:41
